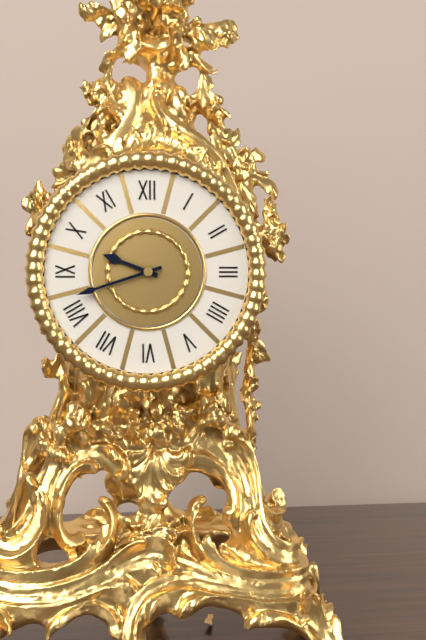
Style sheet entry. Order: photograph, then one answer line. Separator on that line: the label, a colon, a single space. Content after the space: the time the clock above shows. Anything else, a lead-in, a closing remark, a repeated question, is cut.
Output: 9:42
